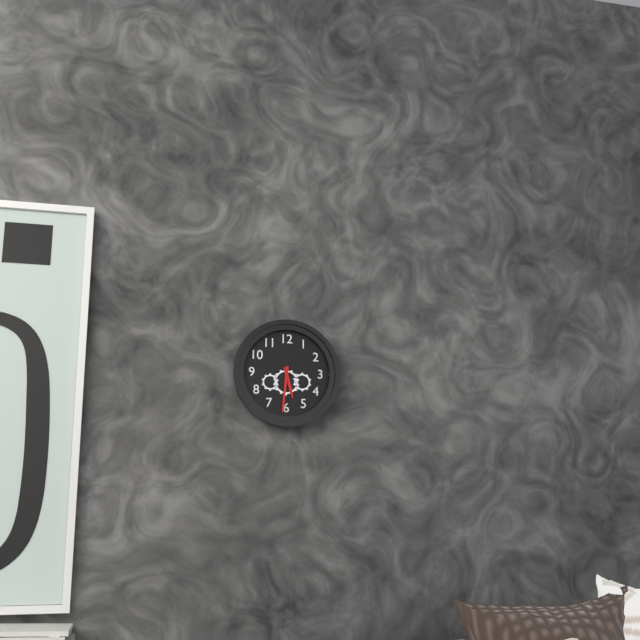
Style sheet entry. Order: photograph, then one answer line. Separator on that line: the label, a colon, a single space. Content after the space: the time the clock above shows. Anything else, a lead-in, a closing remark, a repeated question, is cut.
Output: 5:31
